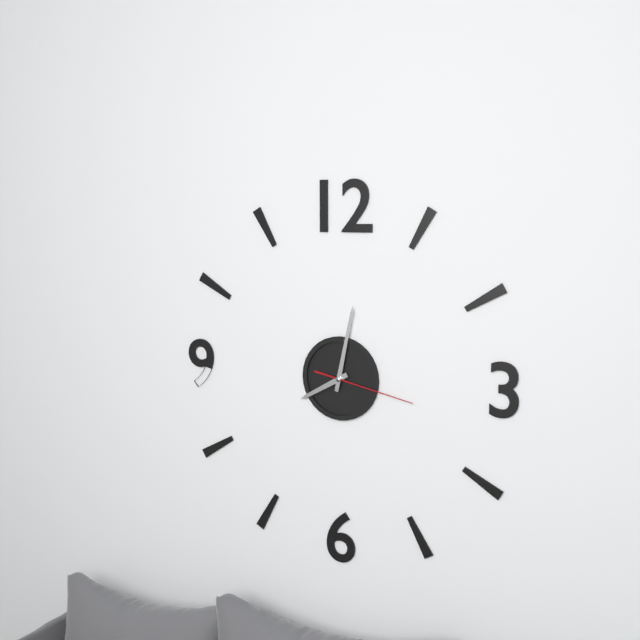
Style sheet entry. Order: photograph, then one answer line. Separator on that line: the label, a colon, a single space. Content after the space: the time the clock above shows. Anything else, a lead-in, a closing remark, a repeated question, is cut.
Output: 8:02:17
